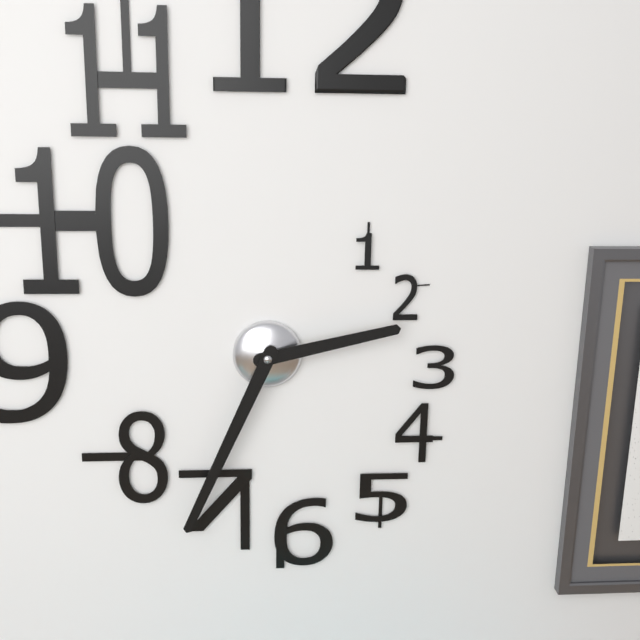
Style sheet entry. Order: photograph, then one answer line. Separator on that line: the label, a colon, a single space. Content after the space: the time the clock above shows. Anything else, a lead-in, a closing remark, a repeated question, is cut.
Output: 2:34
